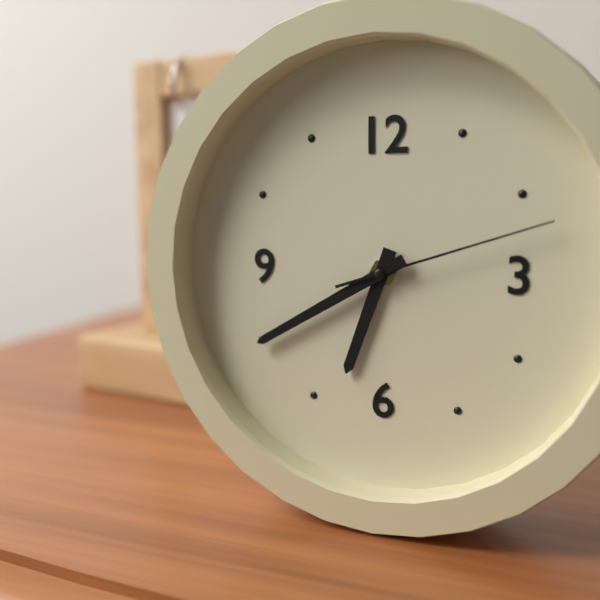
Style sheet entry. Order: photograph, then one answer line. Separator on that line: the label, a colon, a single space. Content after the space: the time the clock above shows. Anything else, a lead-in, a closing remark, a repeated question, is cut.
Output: 6:40:12
